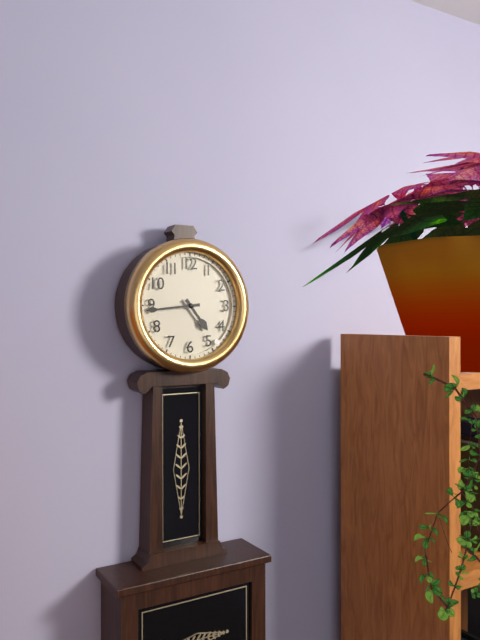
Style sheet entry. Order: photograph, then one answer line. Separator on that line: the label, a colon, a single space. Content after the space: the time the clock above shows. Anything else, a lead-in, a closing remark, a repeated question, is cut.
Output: 4:44
